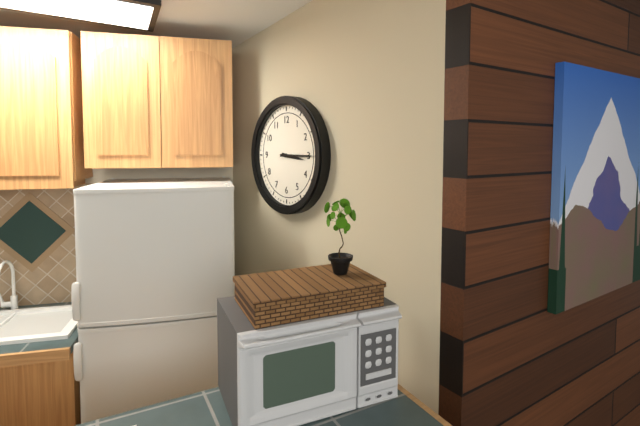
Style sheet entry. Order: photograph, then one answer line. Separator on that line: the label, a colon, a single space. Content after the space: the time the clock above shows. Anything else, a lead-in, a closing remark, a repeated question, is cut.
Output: 3:15
